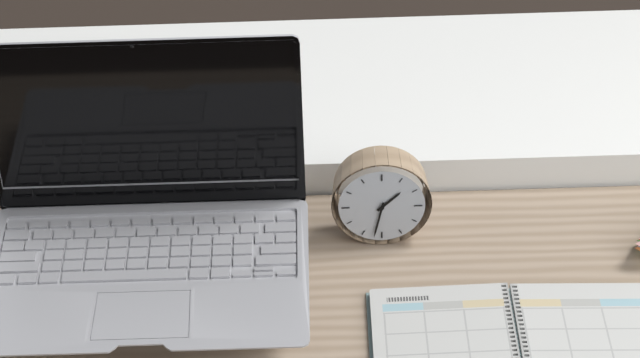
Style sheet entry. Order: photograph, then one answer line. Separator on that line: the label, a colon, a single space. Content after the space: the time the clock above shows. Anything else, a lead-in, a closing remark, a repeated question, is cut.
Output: 1:32
